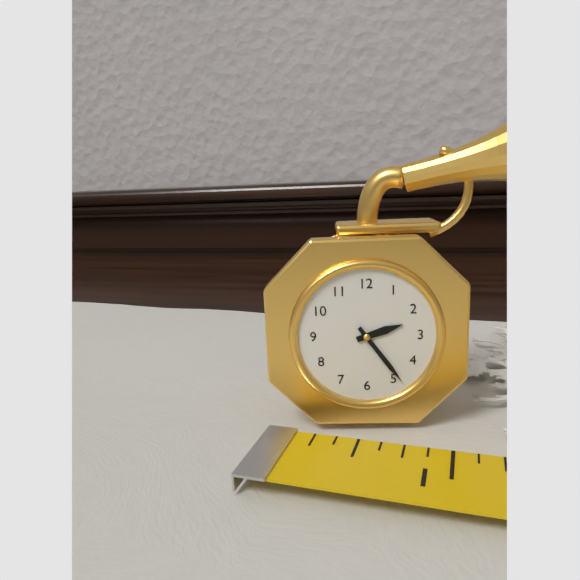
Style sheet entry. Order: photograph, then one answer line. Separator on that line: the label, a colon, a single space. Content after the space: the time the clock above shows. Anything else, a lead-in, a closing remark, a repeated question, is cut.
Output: 2:24
